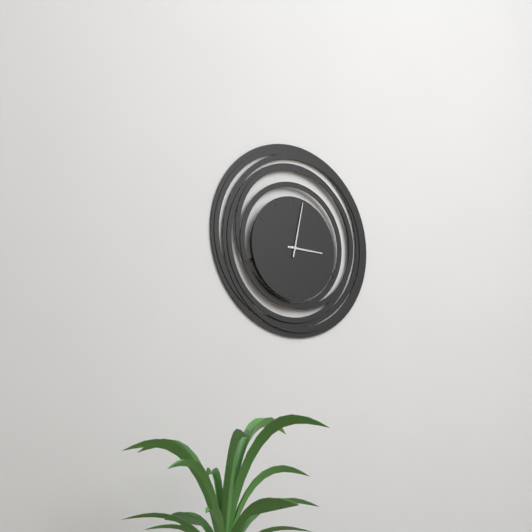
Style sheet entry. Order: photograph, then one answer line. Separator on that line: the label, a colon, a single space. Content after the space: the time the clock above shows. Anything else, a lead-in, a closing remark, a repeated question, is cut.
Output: 3:02
